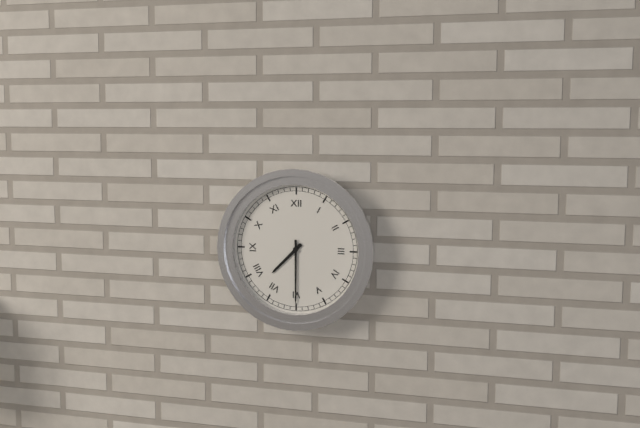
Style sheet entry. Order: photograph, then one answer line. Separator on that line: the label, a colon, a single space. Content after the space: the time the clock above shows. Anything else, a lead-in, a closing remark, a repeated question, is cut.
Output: 7:30
